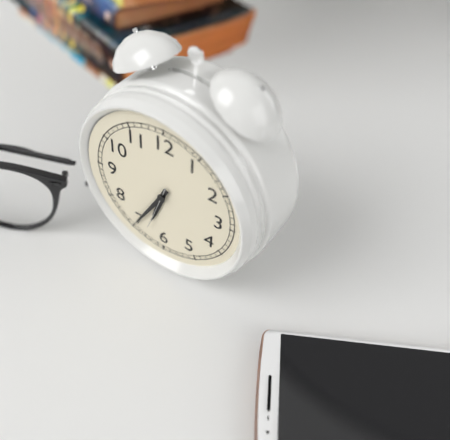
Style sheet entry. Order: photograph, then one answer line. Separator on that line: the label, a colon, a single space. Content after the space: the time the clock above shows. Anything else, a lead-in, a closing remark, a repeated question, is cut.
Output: 6:35
